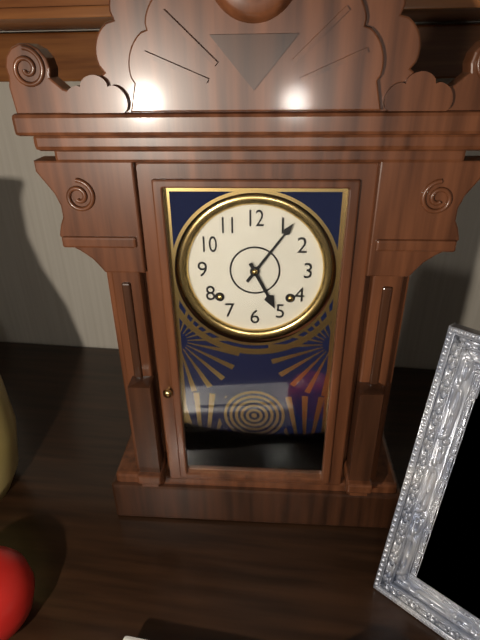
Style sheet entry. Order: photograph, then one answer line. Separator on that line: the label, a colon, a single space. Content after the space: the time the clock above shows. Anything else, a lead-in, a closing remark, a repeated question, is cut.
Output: 5:06
